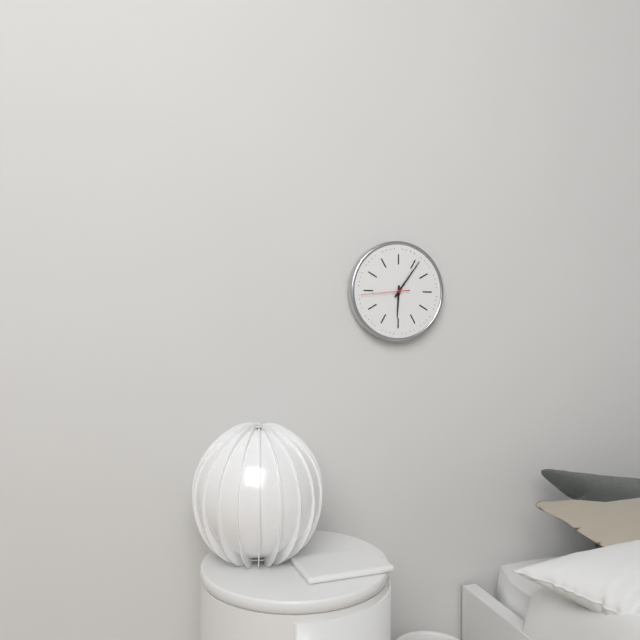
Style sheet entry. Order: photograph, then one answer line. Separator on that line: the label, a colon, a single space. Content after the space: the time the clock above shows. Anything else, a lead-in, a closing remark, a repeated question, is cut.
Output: 6:06
